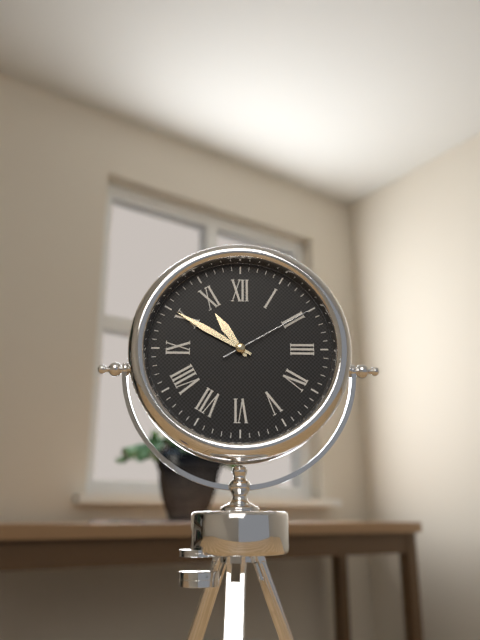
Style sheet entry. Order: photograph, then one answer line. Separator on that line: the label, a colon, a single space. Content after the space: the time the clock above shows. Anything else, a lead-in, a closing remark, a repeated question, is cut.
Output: 10:50:10
